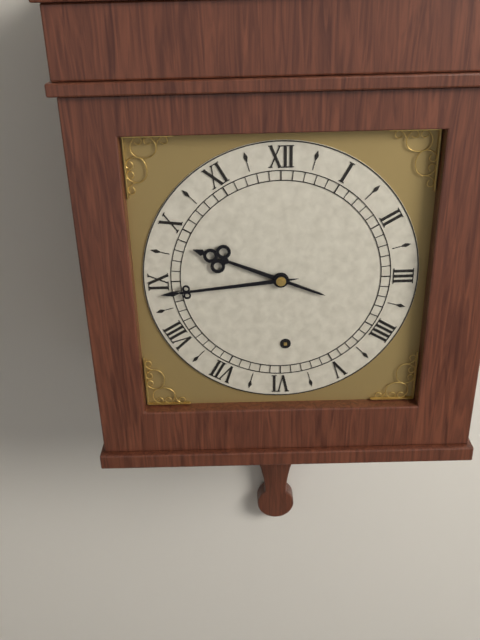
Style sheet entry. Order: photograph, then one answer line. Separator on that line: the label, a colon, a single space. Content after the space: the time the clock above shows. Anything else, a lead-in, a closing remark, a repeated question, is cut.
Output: 9:44
